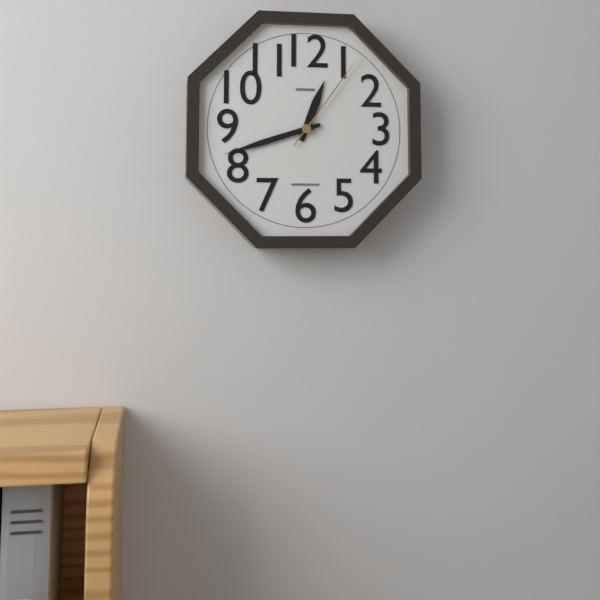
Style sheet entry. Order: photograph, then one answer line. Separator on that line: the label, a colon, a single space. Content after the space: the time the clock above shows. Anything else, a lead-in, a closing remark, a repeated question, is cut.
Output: 12:42:06
